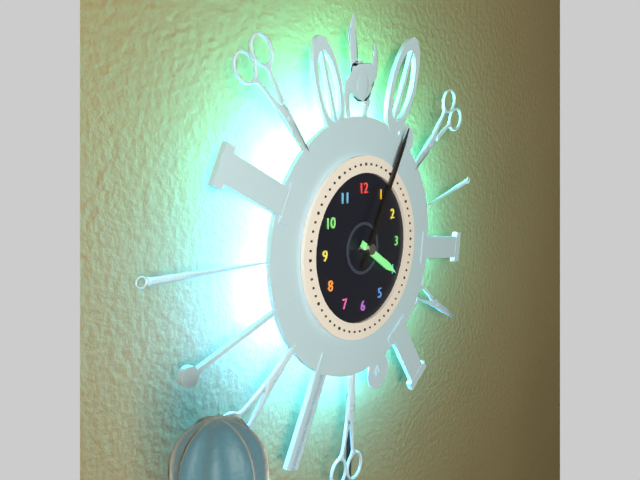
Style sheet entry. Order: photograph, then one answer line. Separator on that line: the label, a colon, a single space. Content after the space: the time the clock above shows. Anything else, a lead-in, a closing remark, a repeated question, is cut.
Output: 4:05
